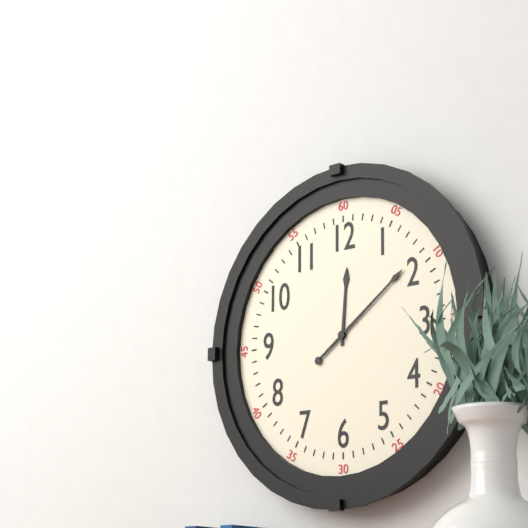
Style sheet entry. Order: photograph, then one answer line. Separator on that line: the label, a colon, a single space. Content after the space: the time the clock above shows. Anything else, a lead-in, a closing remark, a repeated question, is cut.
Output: 12:09
